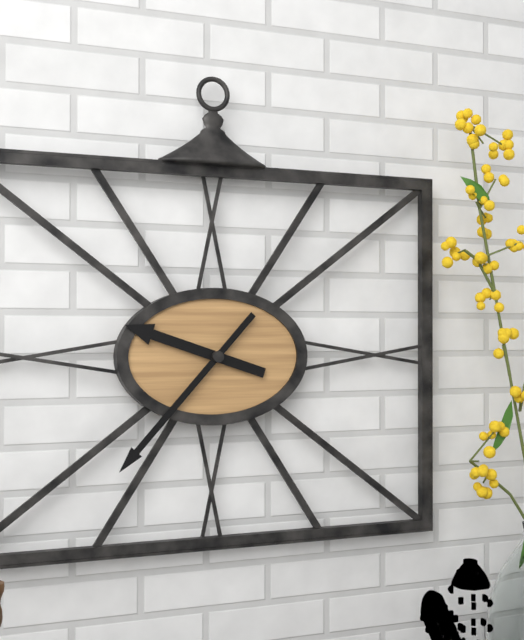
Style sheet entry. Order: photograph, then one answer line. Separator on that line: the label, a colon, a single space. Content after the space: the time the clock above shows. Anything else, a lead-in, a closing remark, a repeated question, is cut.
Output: 9:37
